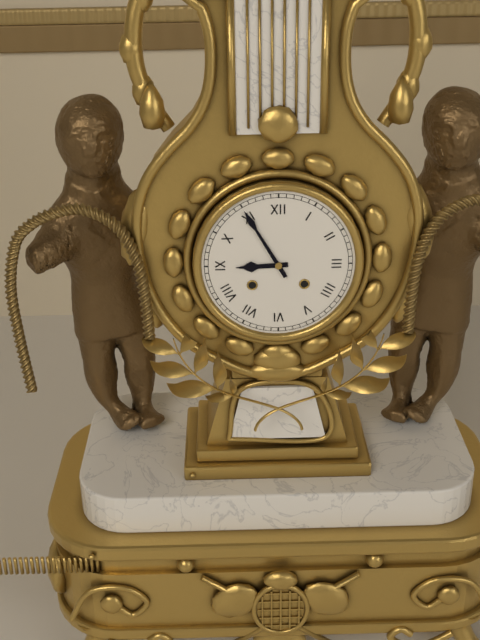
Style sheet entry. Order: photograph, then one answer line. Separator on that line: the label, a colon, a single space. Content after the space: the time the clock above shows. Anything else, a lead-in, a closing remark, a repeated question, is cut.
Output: 8:55
